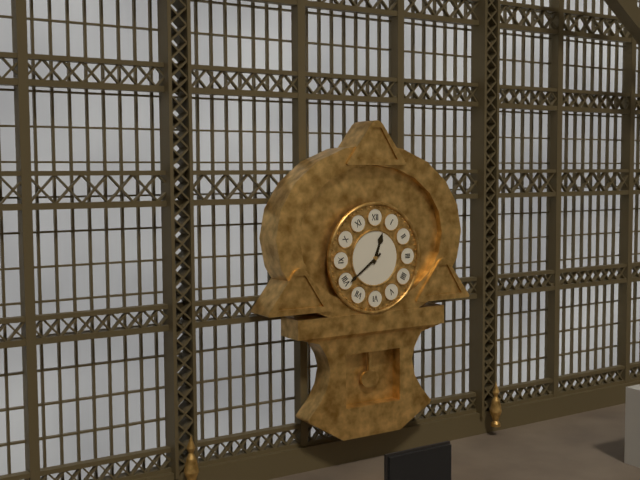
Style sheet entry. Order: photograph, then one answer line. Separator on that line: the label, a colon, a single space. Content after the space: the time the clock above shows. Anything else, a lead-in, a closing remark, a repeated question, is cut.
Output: 12:39
